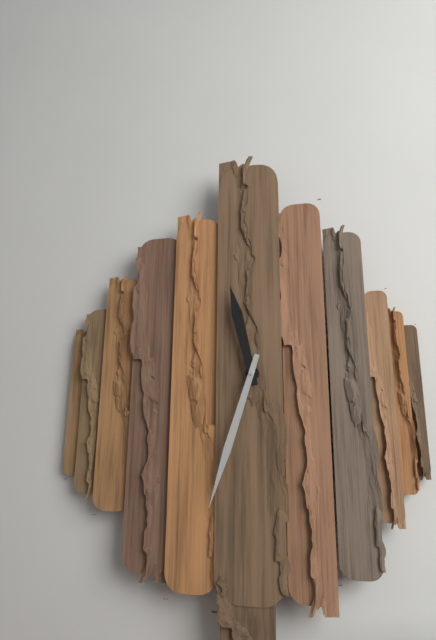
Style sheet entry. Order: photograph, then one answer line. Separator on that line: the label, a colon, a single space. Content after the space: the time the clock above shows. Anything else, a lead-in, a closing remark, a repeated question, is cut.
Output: 11:33
